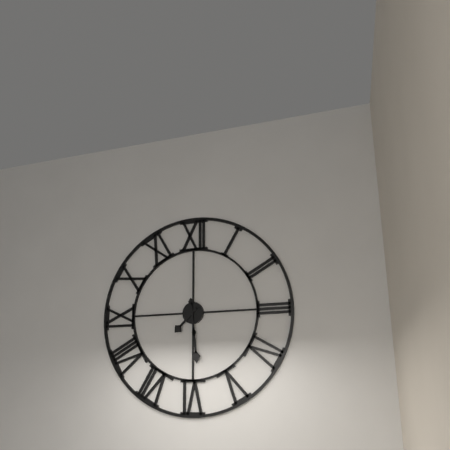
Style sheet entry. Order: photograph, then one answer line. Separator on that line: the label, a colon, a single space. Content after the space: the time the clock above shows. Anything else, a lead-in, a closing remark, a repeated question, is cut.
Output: 7:29
